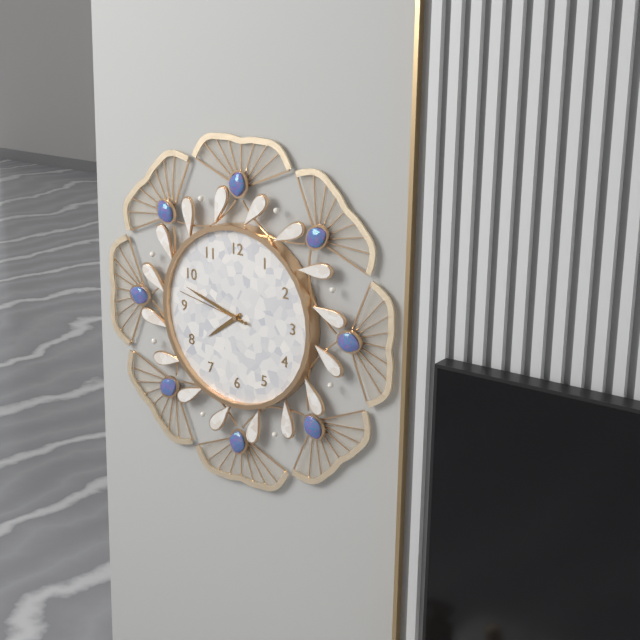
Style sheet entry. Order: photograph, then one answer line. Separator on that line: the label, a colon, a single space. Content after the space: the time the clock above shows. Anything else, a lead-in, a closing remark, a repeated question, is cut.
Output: 7:48:47
